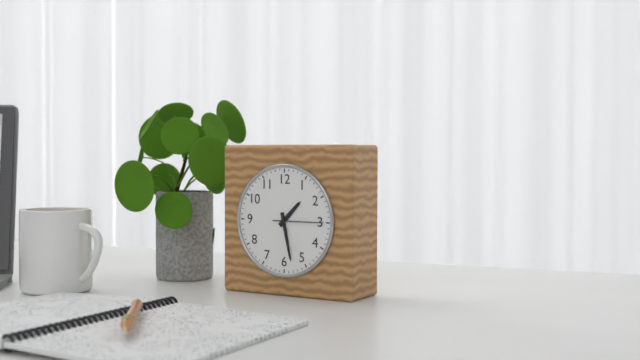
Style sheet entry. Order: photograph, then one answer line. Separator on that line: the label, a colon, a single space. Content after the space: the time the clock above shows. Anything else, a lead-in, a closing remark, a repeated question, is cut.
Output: 1:28
